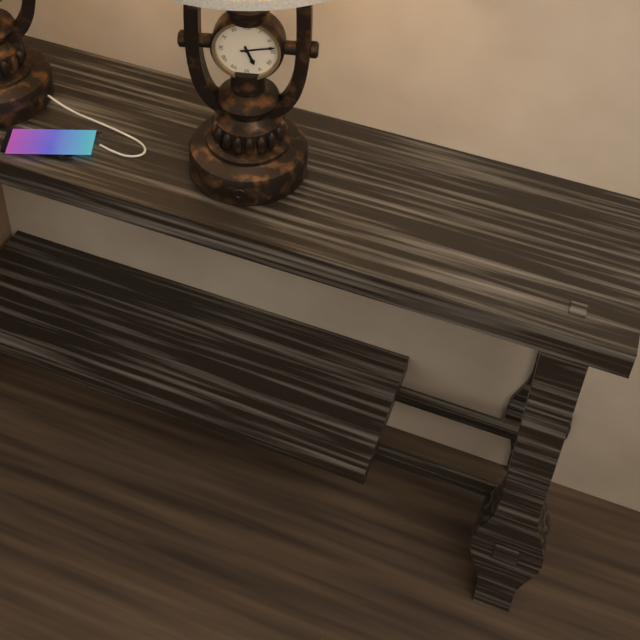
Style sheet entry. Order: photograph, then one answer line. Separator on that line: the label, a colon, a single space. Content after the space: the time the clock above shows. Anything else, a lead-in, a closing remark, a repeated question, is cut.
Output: 5:13
